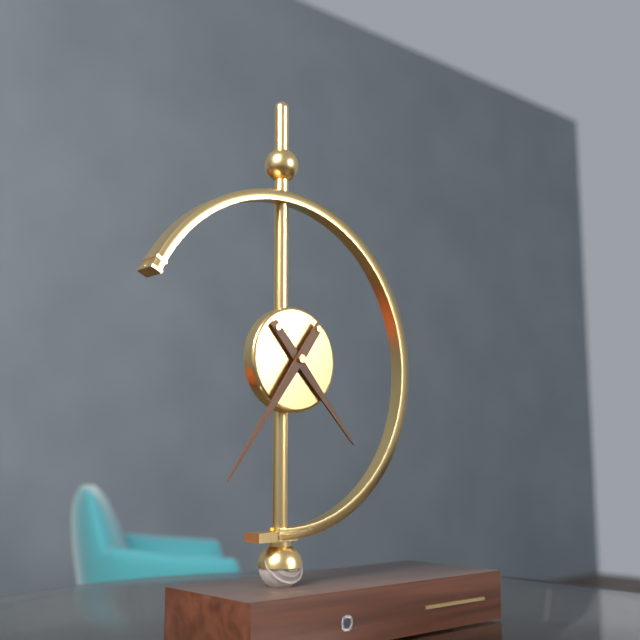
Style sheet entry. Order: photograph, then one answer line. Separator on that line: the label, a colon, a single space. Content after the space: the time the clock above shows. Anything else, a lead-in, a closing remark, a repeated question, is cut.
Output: 4:36
